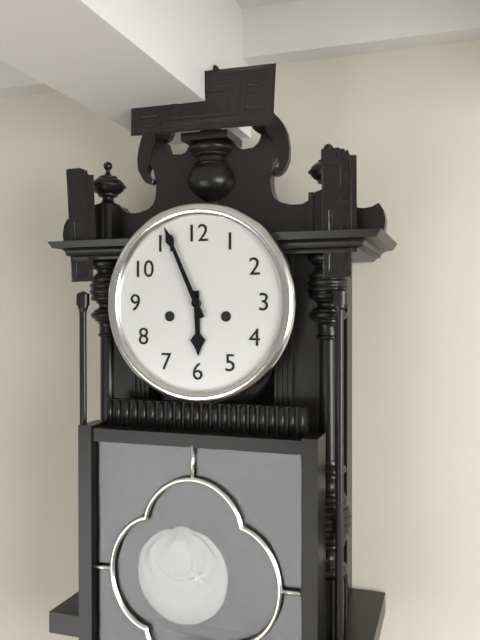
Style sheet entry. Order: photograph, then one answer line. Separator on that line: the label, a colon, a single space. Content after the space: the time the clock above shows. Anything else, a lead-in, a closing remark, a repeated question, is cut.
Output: 5:56
